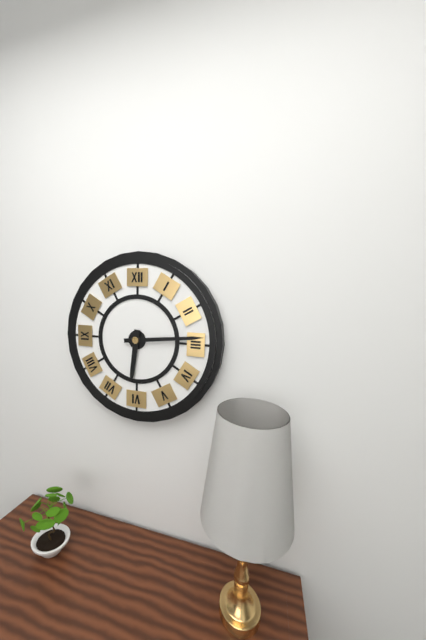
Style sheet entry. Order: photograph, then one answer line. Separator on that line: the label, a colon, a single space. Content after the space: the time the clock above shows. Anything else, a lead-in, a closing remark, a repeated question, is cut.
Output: 6:14
